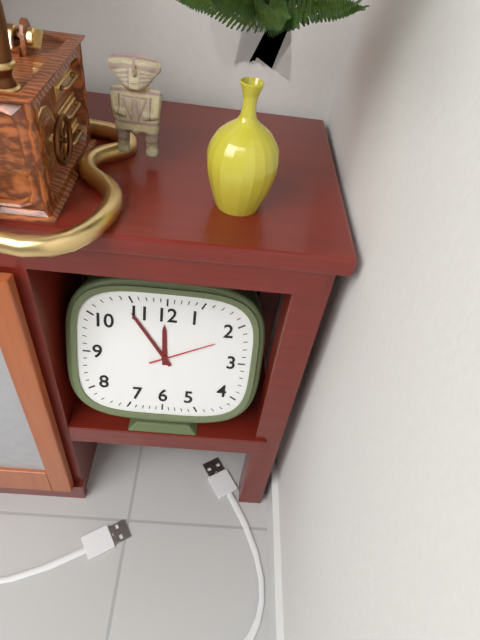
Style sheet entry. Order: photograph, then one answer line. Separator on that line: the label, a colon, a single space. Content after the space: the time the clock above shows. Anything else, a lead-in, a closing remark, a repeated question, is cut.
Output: 11:54:11
